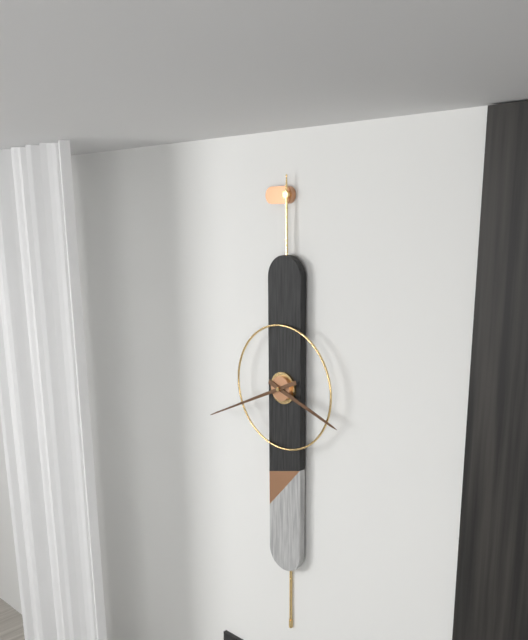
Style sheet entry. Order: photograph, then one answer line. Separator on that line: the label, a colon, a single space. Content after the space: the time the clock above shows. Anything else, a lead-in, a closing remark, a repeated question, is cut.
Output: 3:41
